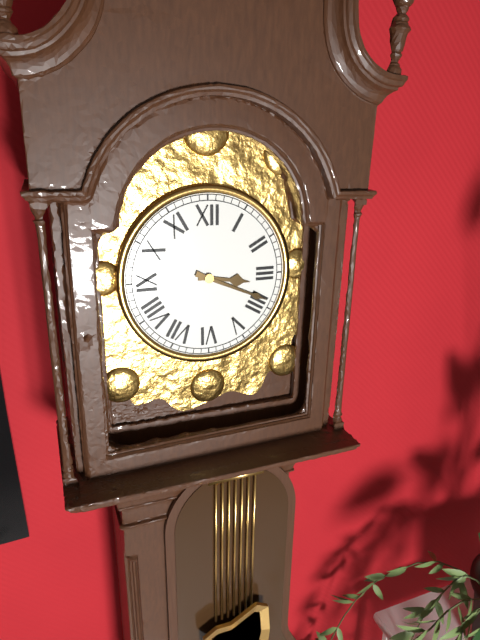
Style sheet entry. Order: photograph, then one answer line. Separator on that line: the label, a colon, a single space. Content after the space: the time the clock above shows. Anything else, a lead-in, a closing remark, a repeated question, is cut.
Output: 3:19
